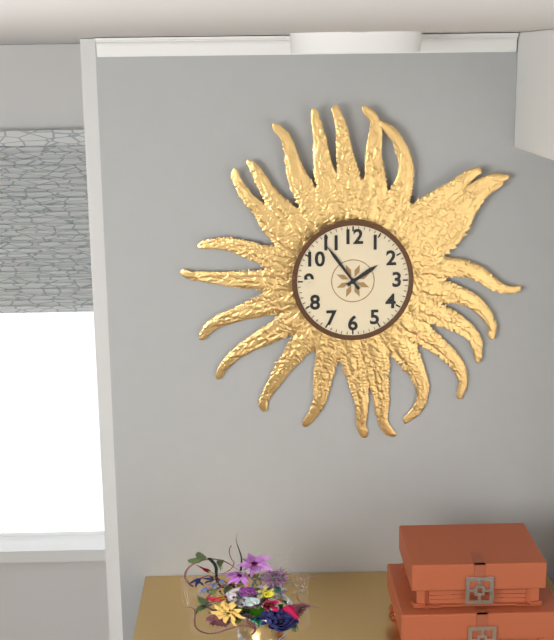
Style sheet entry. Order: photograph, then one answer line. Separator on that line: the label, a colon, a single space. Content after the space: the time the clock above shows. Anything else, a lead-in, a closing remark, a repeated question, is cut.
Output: 1:54
